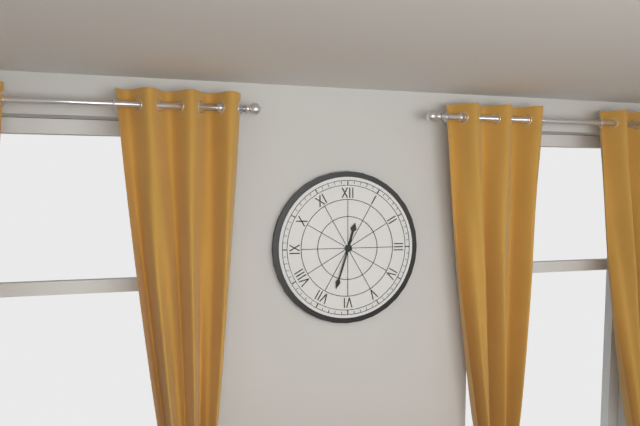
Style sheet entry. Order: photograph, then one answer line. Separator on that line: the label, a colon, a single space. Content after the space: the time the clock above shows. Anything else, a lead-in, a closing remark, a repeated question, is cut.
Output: 12:33
